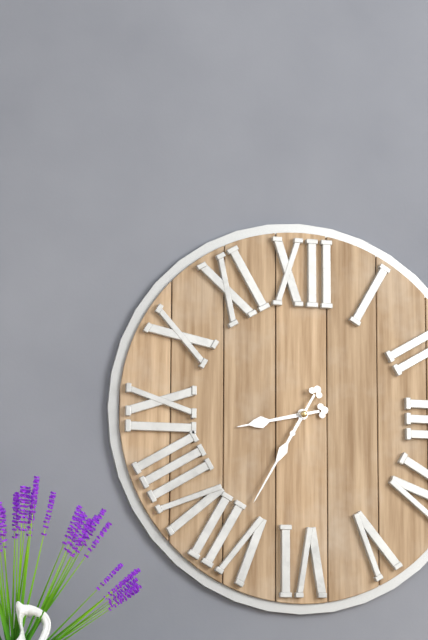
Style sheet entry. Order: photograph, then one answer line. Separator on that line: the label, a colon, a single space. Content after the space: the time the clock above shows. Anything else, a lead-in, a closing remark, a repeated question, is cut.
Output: 8:35
